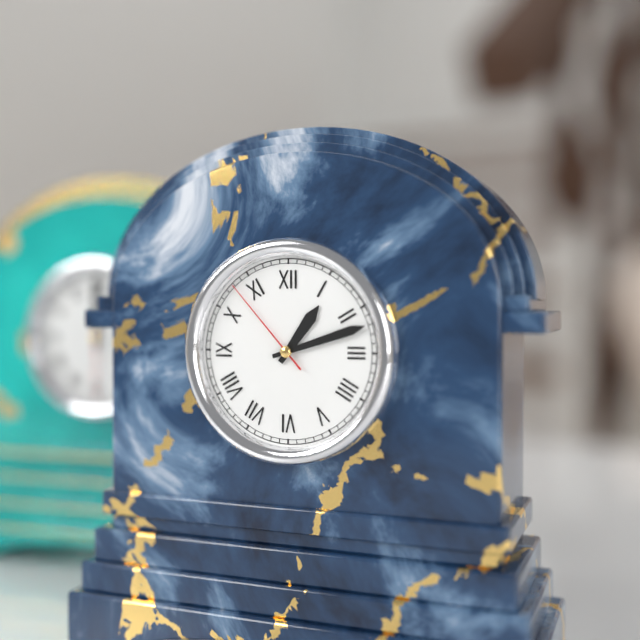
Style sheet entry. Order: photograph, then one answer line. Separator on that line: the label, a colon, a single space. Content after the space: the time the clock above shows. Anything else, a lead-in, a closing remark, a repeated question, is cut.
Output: 1:12:53
